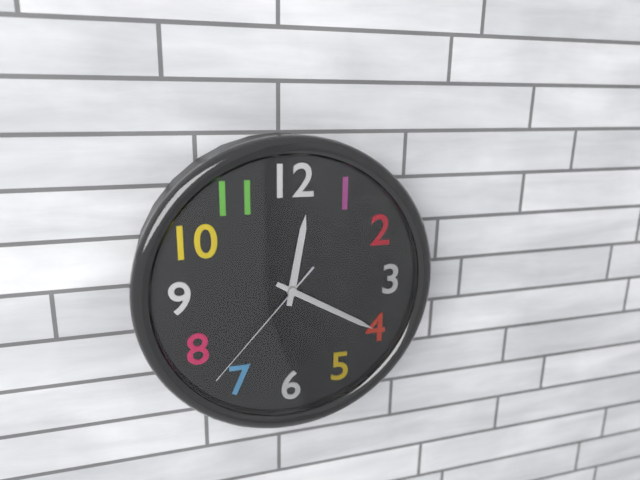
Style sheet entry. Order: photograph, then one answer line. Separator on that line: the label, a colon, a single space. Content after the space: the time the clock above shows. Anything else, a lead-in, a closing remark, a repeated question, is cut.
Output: 12:20:37
